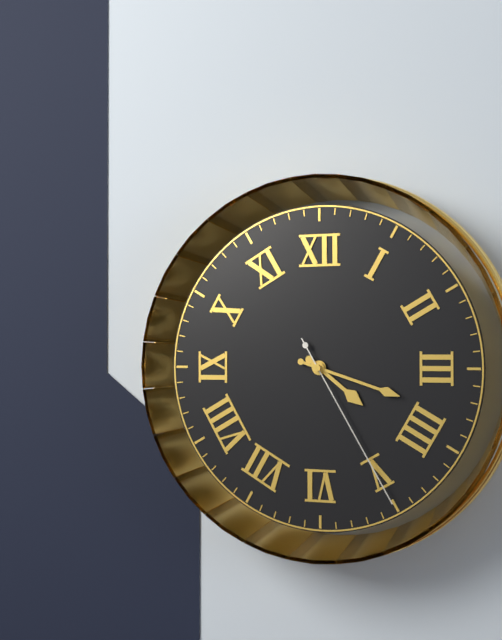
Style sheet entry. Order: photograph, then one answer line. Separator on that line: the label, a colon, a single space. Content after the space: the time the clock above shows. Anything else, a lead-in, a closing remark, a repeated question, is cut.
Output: 4:18:25
